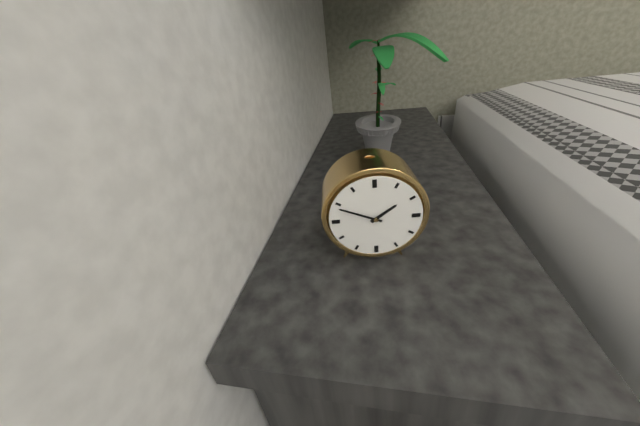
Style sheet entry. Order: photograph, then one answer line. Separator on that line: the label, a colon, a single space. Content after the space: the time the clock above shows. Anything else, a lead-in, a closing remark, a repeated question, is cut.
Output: 1:49
